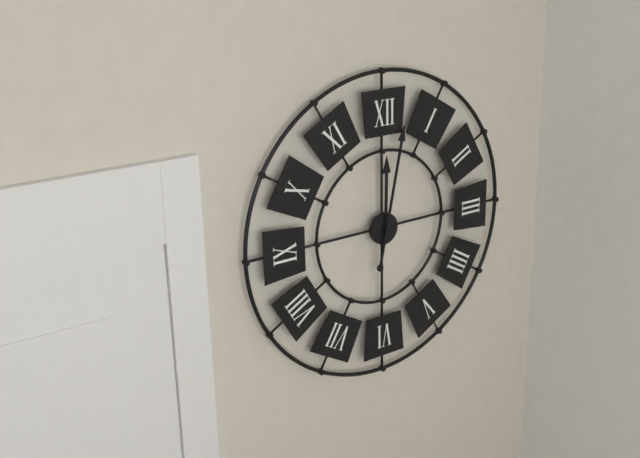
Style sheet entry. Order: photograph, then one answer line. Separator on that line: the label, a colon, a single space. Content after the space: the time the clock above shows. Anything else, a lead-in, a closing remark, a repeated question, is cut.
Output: 12:02
